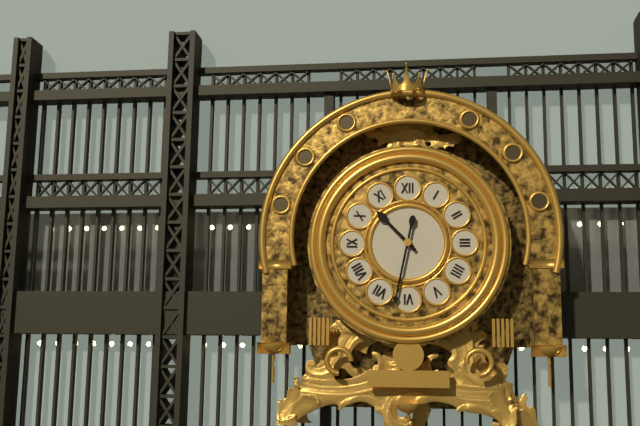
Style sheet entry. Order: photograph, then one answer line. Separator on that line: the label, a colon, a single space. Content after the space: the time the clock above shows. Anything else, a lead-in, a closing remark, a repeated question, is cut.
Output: 10:32
